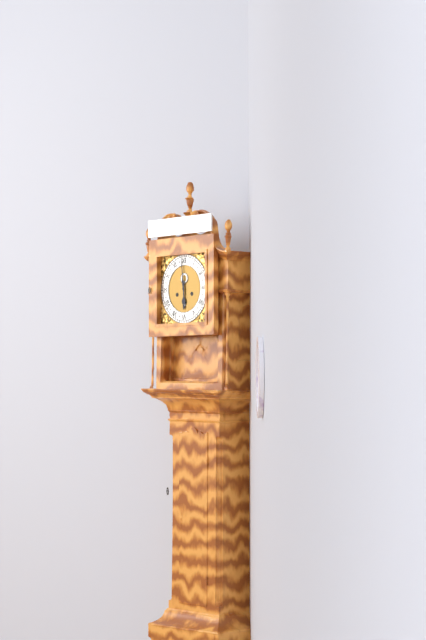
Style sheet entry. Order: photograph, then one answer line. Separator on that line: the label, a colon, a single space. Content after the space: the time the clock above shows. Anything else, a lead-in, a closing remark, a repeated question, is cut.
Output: 5:59
